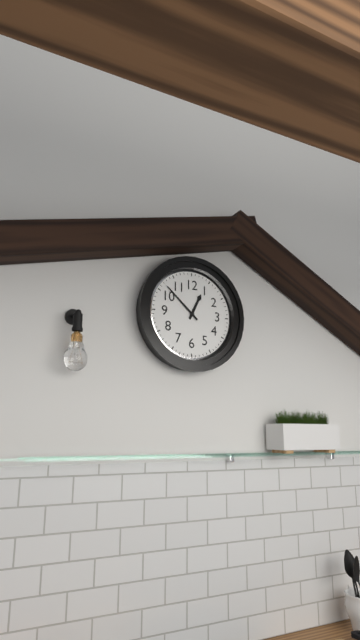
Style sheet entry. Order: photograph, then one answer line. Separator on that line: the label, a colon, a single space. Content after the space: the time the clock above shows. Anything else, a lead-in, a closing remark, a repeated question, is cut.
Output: 12:52
